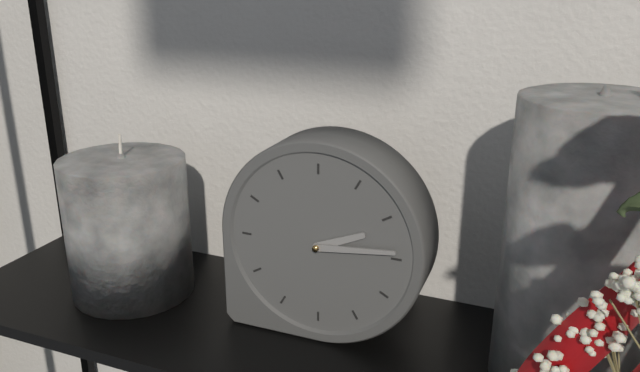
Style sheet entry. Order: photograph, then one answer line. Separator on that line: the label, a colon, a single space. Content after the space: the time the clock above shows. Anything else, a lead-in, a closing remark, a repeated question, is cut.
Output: 2:14
